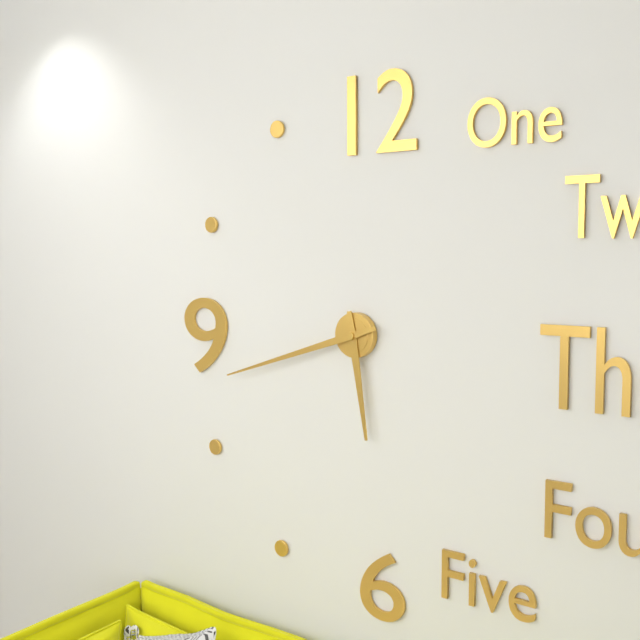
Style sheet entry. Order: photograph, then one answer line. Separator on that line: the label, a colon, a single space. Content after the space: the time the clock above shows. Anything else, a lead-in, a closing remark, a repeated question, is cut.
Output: 5:42
